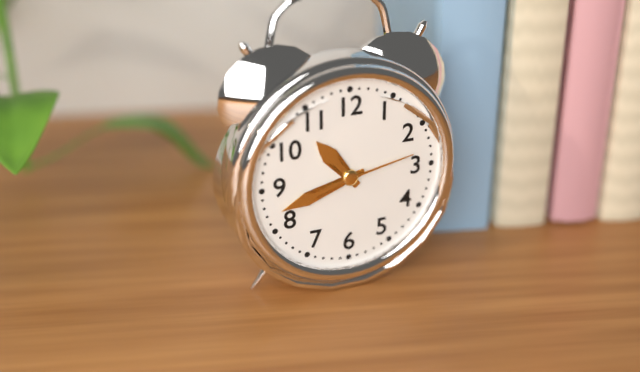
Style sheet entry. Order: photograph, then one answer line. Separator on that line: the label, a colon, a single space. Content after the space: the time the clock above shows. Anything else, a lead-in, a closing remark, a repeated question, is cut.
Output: 10:42:13
